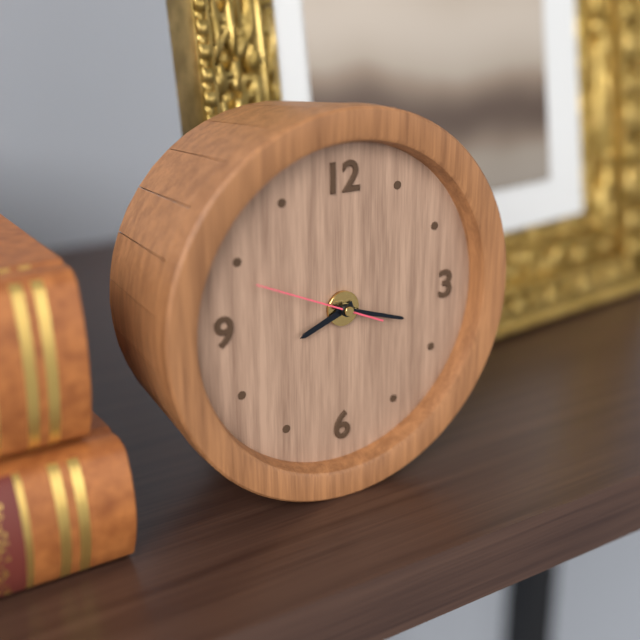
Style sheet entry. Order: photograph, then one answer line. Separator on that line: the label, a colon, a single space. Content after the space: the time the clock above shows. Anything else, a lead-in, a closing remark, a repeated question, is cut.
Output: 8:18:49
